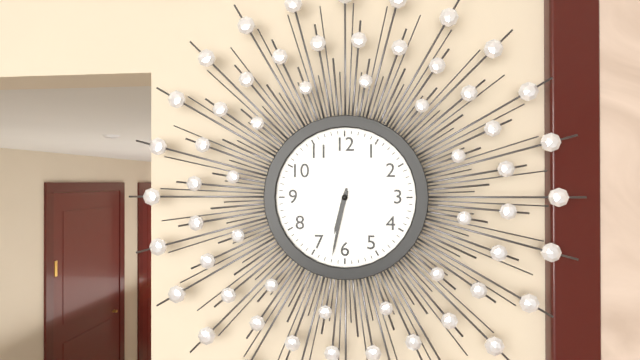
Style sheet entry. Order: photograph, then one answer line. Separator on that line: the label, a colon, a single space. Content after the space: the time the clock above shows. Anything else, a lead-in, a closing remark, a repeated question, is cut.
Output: 6:32
